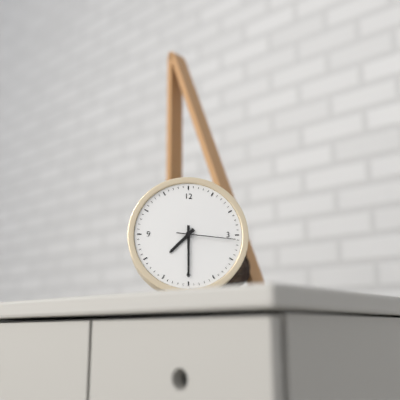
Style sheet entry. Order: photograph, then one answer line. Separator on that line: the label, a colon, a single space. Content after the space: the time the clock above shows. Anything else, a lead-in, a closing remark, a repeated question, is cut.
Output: 7:30:16
